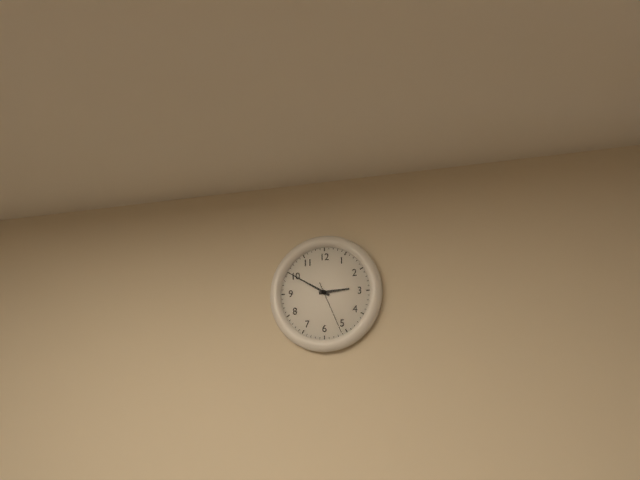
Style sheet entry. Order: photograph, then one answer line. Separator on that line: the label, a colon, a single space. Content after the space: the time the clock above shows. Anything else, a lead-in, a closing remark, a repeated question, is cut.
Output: 2:50:26
